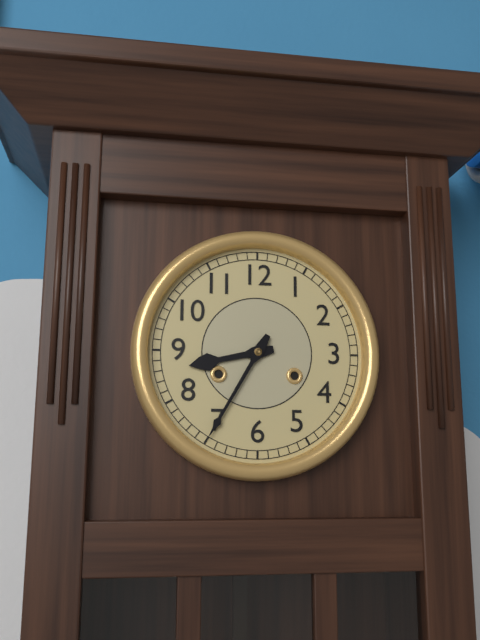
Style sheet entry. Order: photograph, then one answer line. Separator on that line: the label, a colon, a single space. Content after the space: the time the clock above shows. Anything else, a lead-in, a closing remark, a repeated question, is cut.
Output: 8:35
